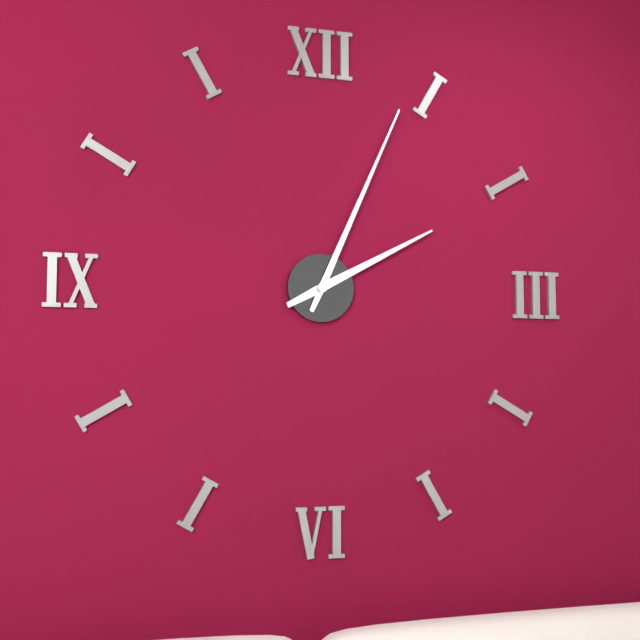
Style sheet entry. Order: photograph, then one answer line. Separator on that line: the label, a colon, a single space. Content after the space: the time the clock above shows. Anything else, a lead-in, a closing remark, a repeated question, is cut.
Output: 2:04
